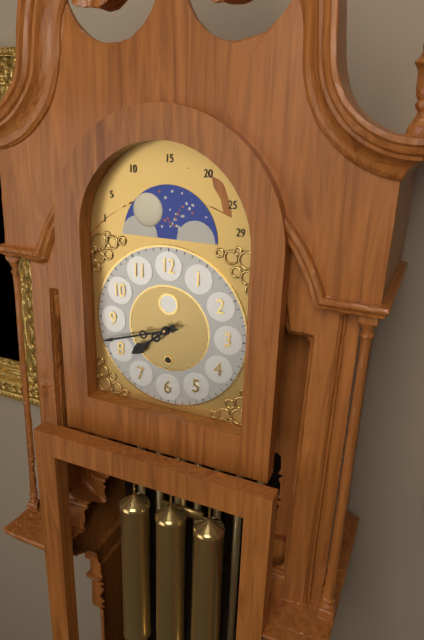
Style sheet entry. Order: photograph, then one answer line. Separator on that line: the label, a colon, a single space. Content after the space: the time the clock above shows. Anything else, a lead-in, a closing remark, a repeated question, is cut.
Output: 7:42
